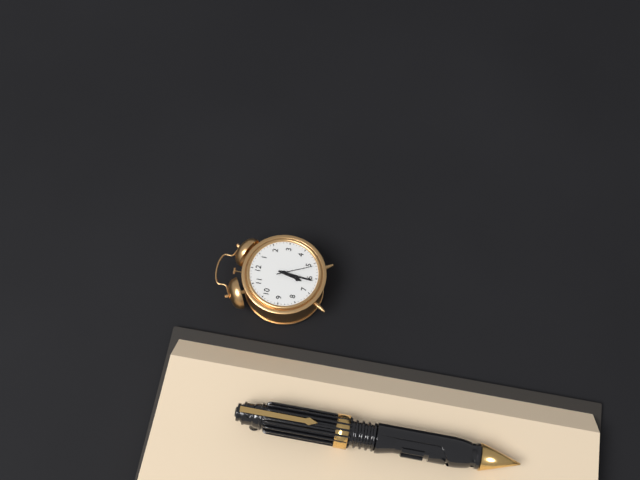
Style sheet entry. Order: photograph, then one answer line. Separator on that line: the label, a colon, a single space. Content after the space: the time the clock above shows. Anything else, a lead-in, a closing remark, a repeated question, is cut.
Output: 6:31
